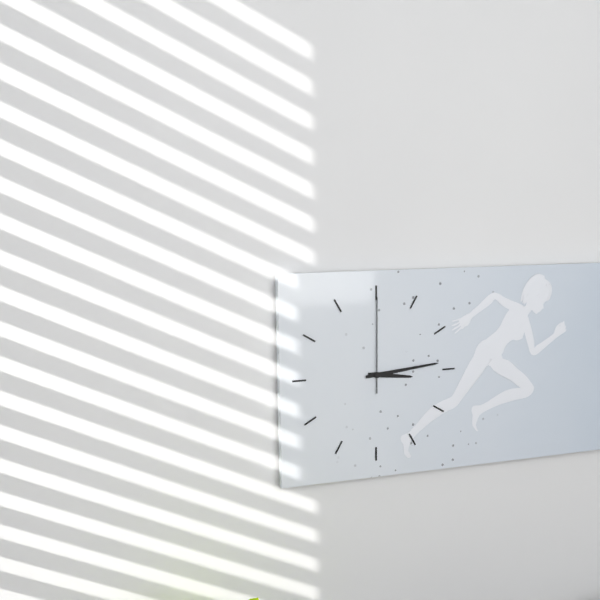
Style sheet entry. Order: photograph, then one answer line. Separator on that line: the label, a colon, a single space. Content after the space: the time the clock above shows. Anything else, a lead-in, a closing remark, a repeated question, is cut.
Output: 3:14:00
